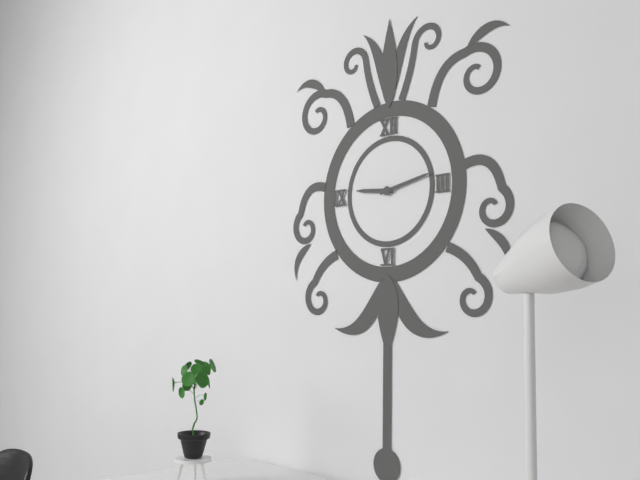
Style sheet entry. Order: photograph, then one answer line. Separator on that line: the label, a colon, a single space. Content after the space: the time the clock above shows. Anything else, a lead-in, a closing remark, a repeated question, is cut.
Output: 9:13
